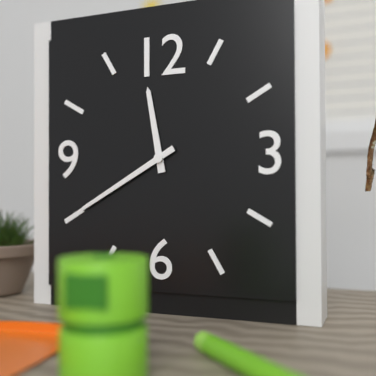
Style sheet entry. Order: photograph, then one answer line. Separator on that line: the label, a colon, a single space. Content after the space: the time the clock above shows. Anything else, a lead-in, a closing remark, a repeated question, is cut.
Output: 11:40
